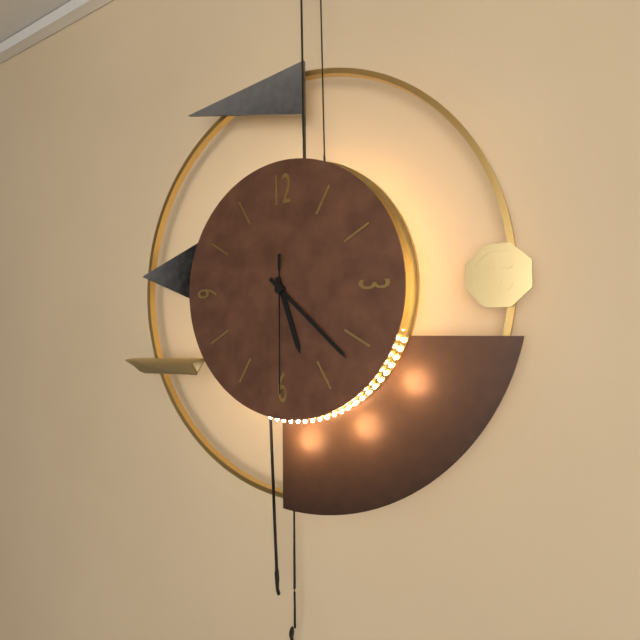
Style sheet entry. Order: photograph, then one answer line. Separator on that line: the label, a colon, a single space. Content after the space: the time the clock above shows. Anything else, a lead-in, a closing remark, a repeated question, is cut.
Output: 5:22:30
